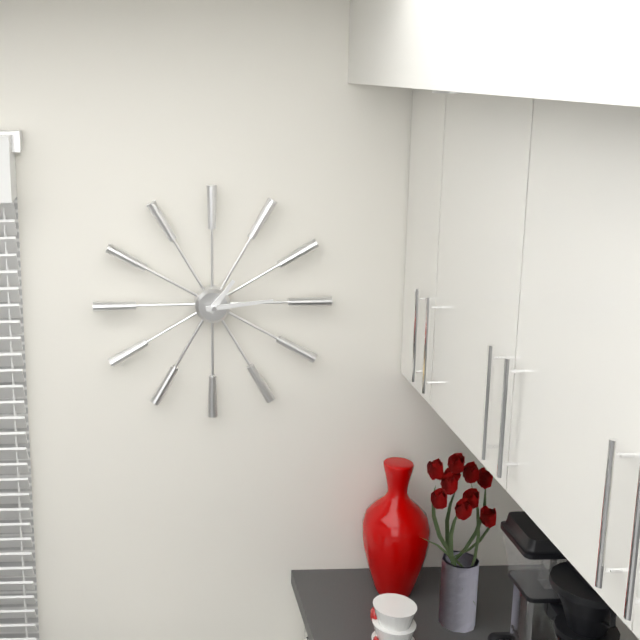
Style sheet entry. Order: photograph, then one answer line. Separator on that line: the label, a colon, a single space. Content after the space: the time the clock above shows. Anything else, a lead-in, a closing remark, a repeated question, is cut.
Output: 1:14
